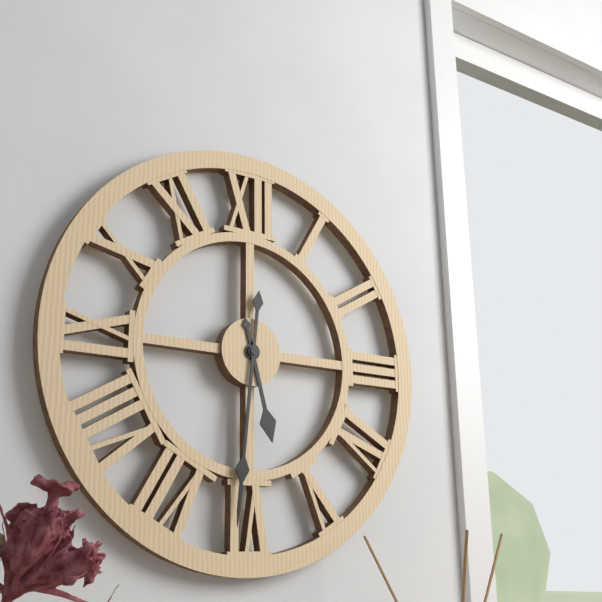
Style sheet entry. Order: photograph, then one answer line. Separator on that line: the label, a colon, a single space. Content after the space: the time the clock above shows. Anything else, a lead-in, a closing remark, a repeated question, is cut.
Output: 5:31
